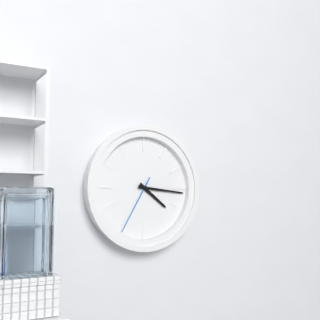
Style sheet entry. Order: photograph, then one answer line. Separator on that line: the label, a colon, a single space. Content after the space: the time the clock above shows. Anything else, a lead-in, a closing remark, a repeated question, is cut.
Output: 4:16:35
